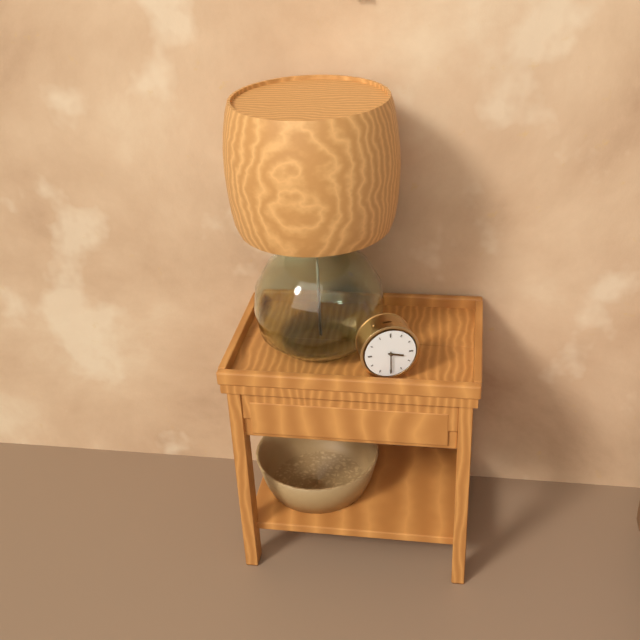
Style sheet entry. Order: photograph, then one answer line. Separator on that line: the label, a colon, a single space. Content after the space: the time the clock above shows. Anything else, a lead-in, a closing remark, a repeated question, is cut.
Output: 3:30
